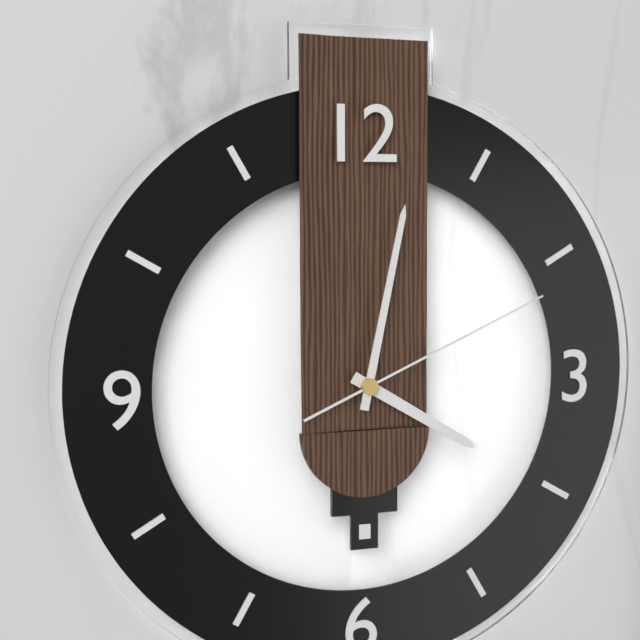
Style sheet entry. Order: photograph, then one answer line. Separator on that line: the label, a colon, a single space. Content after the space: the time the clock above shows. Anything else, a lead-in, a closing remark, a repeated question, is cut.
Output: 4:02:11
